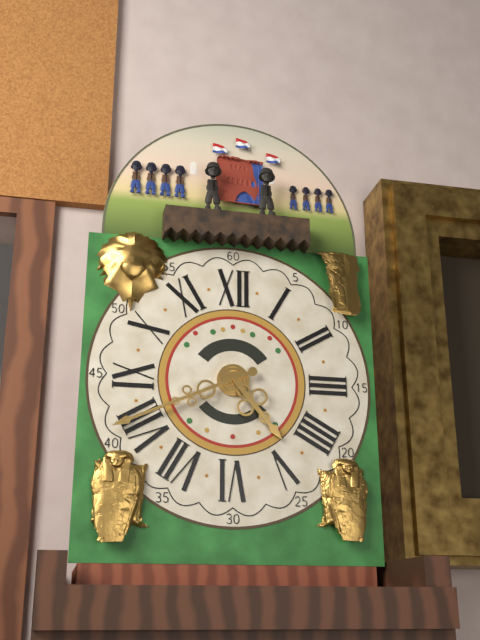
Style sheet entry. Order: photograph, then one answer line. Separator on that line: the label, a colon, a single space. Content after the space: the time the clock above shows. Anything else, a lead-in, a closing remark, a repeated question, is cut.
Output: 4:41
